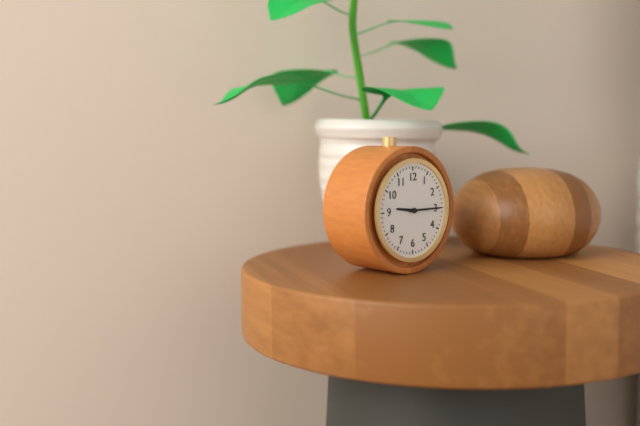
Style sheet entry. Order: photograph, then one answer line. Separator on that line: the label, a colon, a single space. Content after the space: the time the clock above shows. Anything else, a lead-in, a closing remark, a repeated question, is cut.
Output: 9:15
